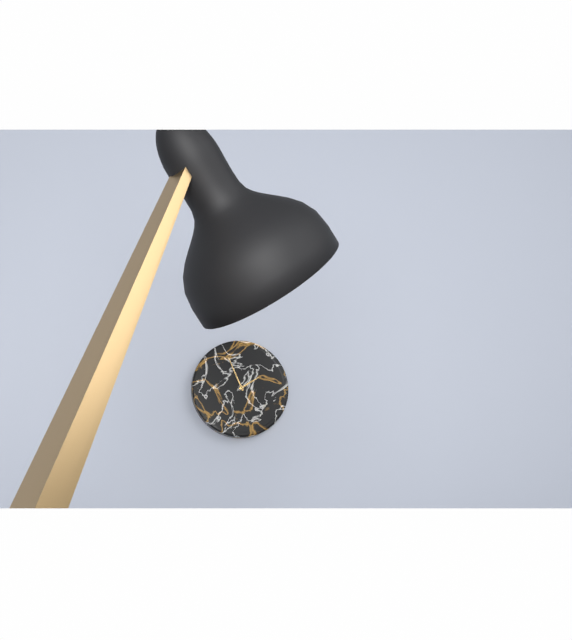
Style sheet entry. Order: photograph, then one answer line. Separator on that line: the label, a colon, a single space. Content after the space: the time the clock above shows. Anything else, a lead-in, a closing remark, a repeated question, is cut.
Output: 1:56
